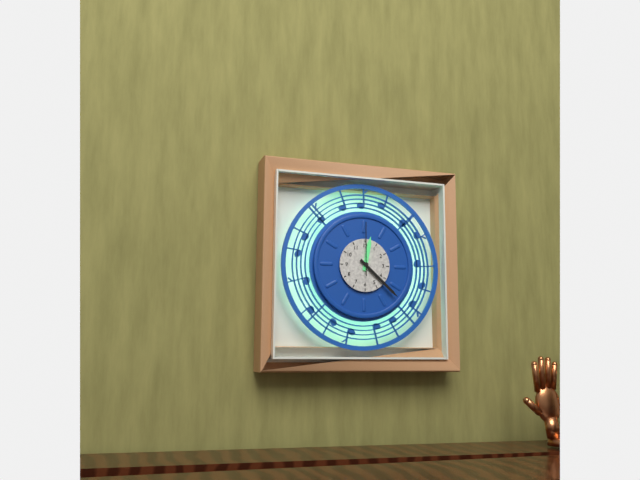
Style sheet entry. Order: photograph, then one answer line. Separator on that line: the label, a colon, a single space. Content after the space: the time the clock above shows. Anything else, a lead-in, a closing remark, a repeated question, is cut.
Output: 12:22:00
